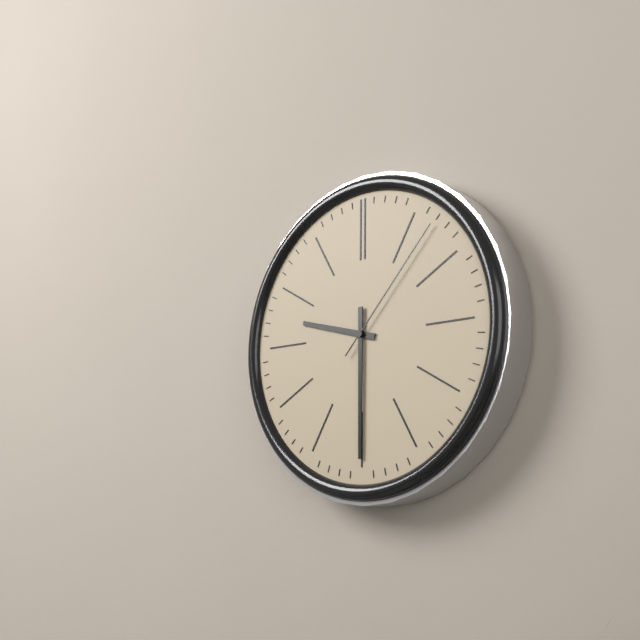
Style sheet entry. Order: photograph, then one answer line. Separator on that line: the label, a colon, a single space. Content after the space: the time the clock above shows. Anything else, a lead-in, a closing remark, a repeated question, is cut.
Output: 9:30:07
